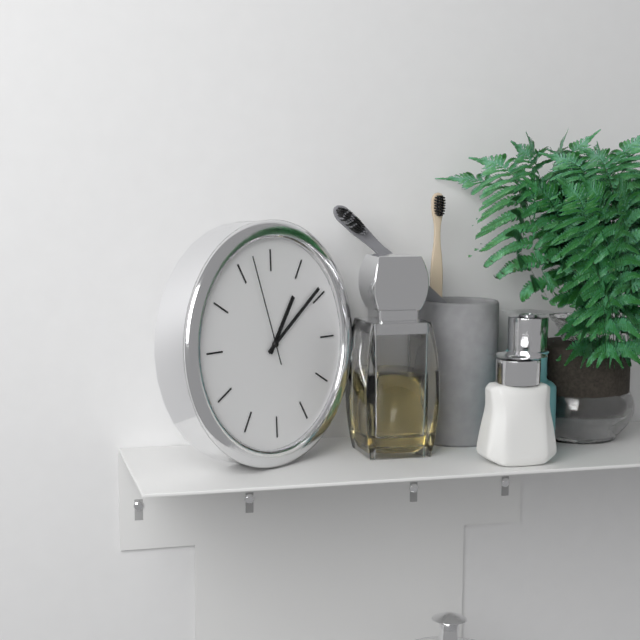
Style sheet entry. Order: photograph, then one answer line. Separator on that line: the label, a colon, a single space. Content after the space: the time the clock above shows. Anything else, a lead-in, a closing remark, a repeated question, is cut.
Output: 1:09:57
